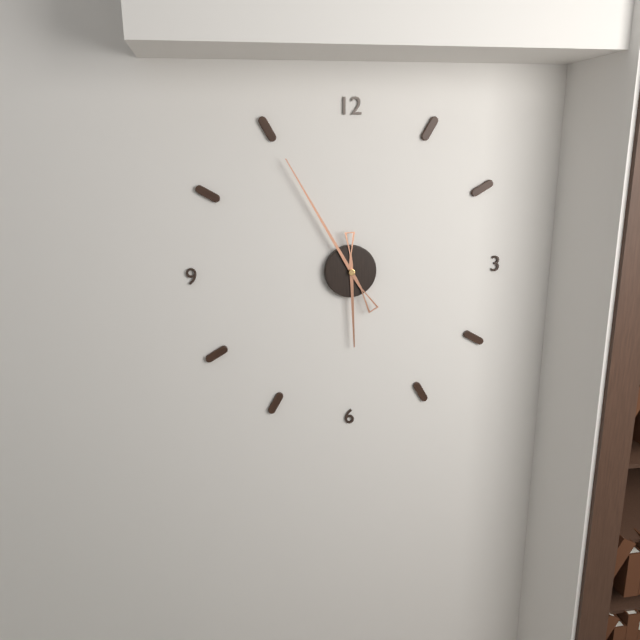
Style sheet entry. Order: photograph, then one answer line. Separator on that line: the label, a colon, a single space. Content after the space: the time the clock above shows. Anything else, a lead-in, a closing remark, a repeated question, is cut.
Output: 5:55
